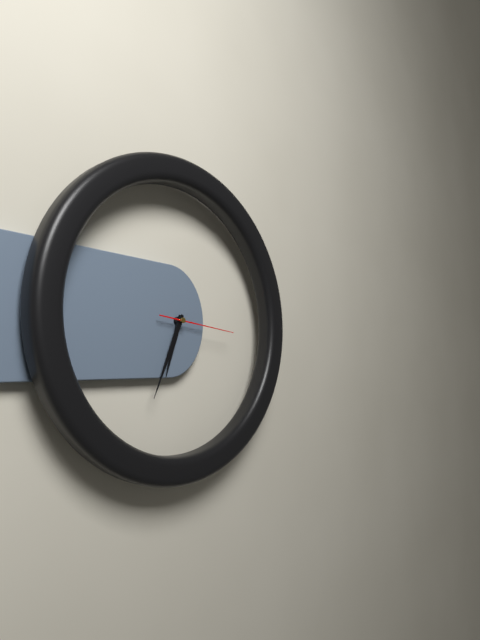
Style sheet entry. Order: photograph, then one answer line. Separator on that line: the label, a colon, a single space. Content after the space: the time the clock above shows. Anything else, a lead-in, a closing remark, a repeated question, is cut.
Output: 6:34:16
